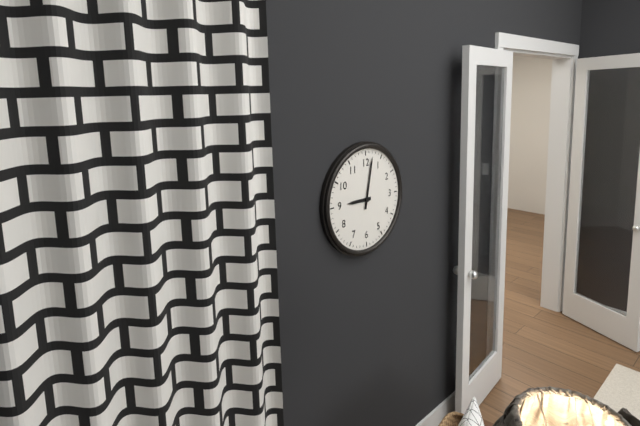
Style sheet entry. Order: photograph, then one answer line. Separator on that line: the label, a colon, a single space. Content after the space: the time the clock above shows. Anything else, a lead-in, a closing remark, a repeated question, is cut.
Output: 9:02
